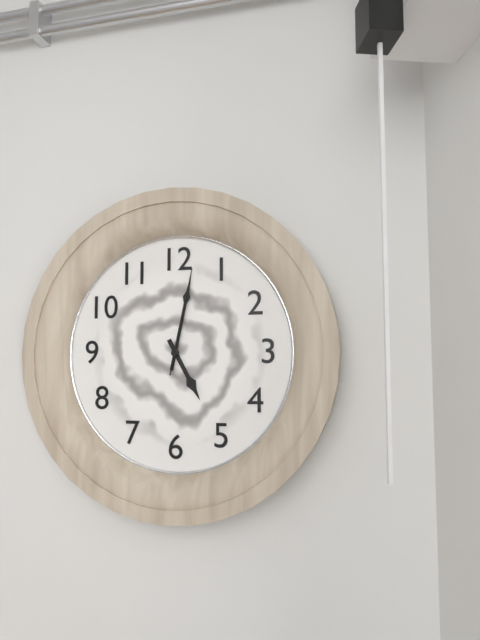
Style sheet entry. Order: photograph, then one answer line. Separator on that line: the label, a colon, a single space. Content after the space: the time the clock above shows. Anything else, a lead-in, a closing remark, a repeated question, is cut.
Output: 5:02:02
